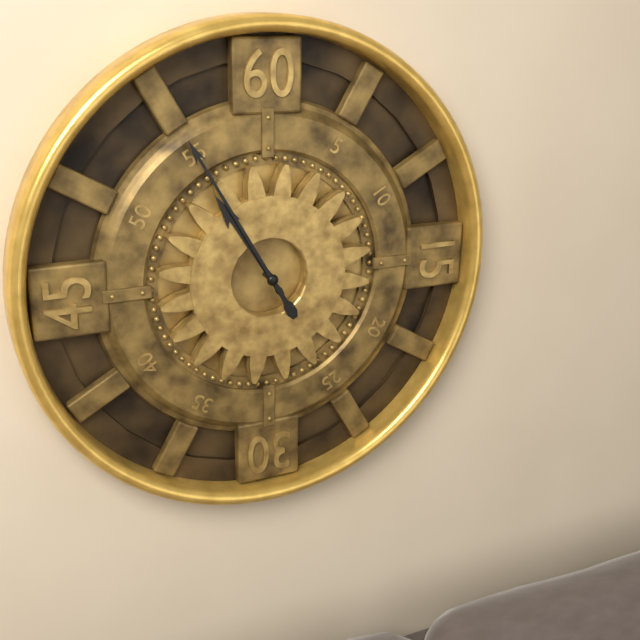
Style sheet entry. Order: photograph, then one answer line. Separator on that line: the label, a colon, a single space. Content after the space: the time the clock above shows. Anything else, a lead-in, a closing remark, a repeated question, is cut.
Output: 10:55
